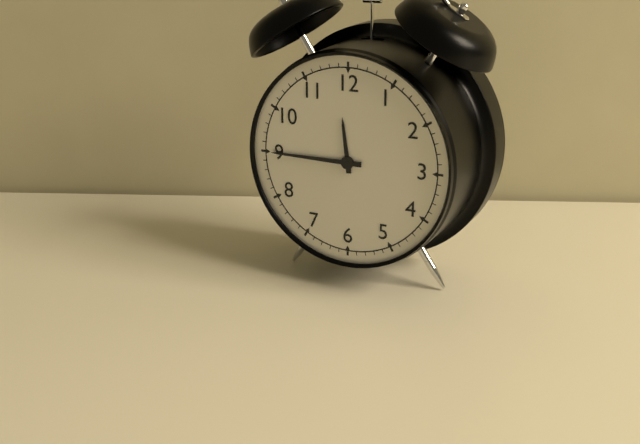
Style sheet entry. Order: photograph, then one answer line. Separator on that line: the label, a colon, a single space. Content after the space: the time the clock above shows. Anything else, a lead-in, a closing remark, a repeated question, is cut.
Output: 11:45
